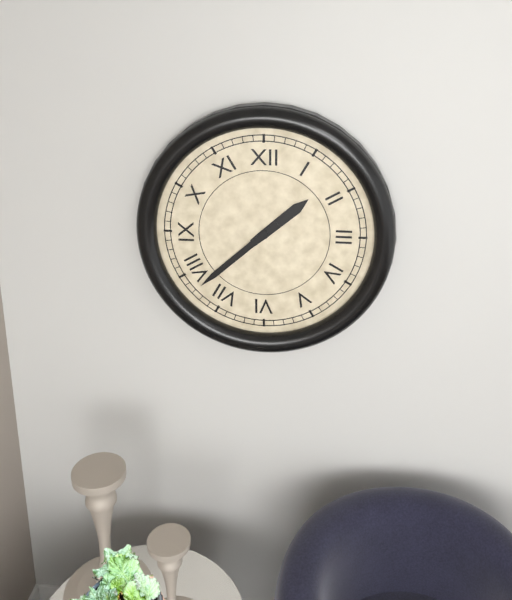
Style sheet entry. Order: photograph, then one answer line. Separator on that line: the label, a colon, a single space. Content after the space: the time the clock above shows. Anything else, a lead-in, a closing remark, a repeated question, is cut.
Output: 1:38
